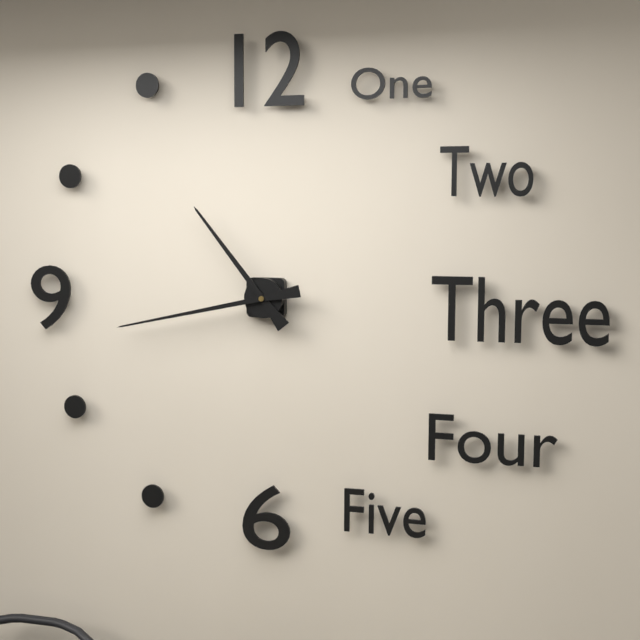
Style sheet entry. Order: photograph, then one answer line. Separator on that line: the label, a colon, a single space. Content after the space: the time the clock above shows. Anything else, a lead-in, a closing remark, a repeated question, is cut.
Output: 10:43
